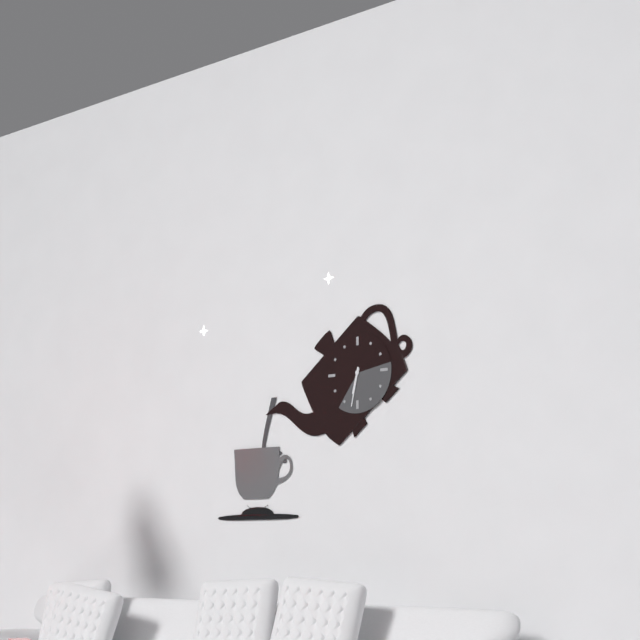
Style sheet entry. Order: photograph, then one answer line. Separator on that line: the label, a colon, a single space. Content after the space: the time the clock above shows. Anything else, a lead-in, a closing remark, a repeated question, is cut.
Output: 6:32
